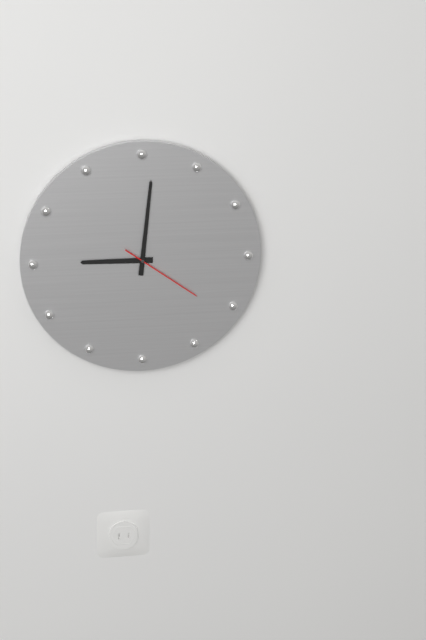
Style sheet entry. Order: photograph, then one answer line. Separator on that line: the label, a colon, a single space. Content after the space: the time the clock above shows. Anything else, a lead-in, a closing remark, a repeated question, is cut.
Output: 9:01:21
